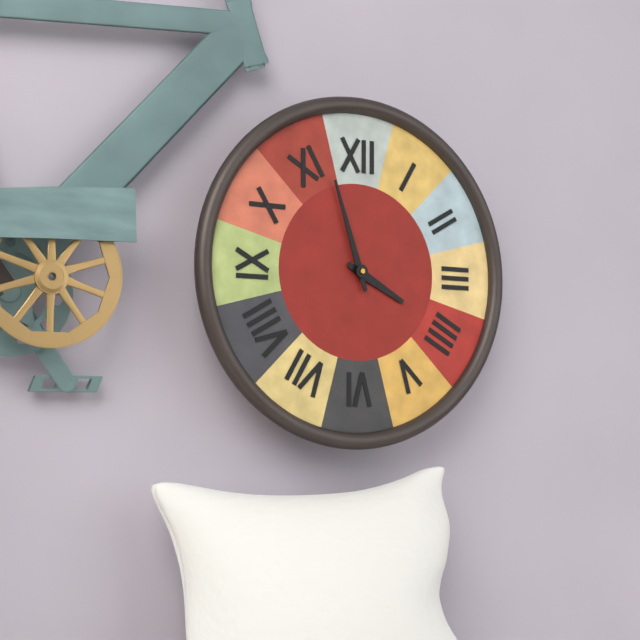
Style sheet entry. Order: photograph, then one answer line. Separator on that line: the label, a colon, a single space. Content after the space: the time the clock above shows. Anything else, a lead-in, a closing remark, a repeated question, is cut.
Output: 3:57
